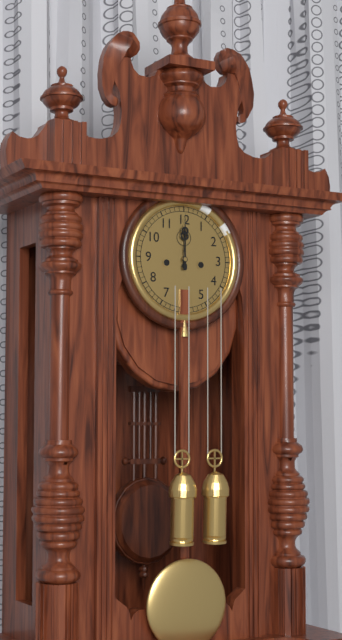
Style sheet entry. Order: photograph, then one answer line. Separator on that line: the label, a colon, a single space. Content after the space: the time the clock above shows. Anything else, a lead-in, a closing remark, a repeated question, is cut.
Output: 12:00
